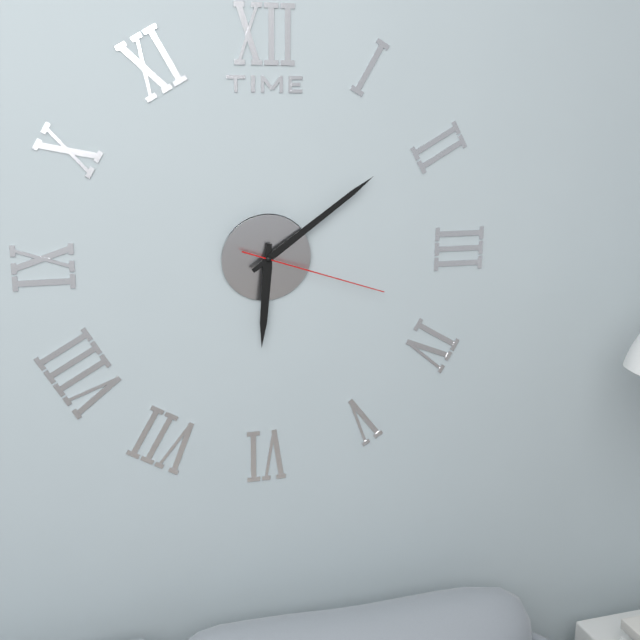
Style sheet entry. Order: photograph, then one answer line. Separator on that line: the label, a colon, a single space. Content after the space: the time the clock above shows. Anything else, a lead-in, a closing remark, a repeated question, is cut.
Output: 6:09:18
